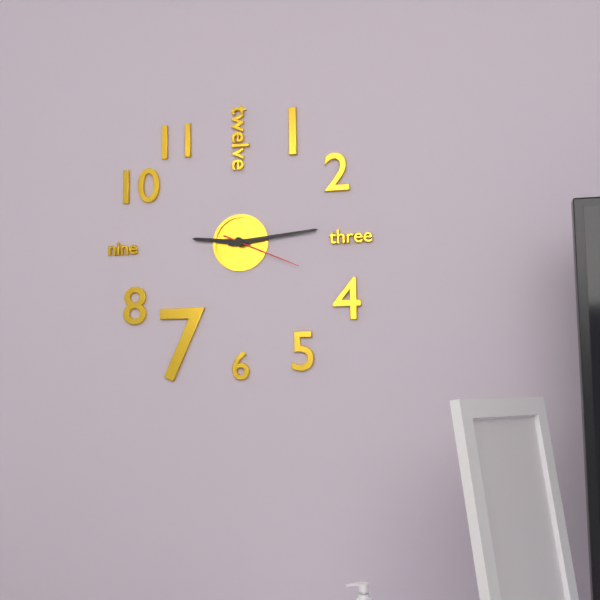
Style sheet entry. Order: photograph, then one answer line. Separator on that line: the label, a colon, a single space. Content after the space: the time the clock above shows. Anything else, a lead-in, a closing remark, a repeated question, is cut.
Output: 9:14:19
